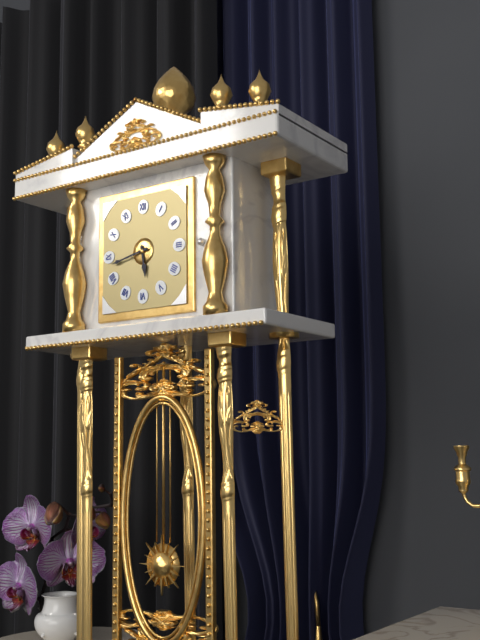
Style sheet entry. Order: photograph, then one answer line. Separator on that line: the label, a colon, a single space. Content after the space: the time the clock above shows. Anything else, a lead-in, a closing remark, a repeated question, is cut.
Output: 5:43
